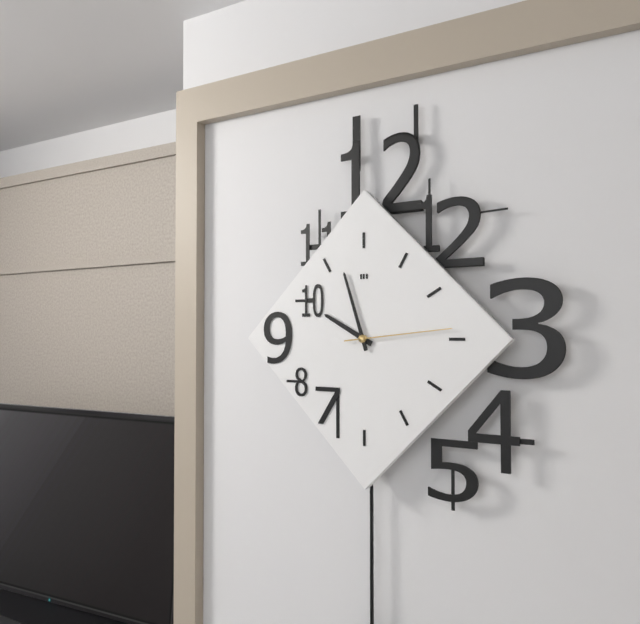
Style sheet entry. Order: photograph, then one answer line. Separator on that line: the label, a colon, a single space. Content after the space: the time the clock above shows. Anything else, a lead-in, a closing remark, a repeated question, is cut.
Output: 9:57:14
